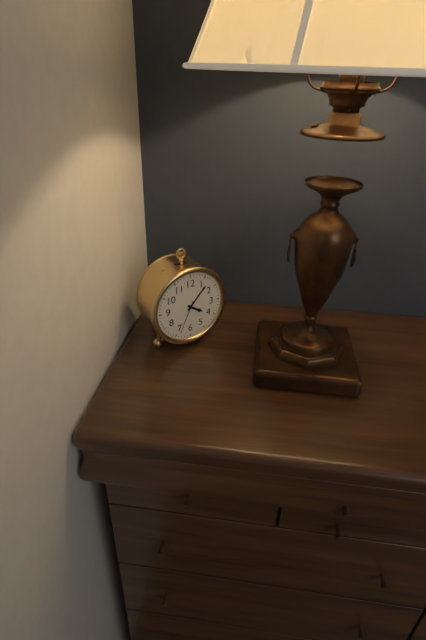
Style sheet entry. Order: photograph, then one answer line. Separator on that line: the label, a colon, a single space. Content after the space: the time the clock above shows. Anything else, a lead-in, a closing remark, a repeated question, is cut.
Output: 4:07
